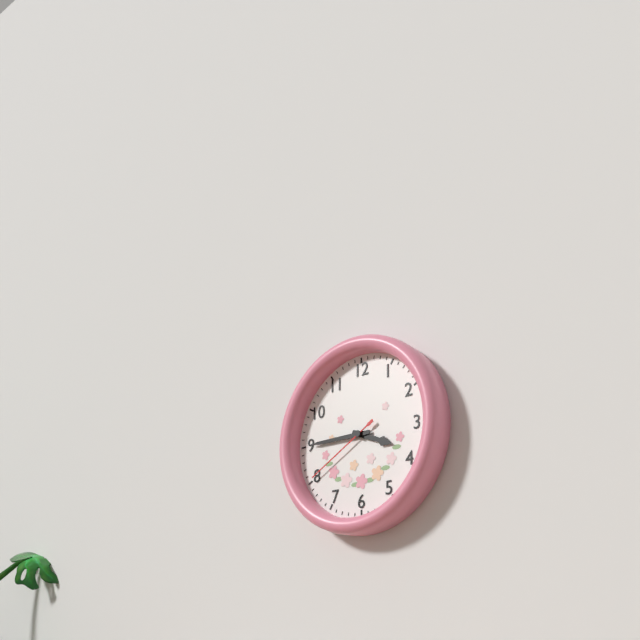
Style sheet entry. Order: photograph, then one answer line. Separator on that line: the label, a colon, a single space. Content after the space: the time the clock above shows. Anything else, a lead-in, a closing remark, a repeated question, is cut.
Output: 3:45:40
